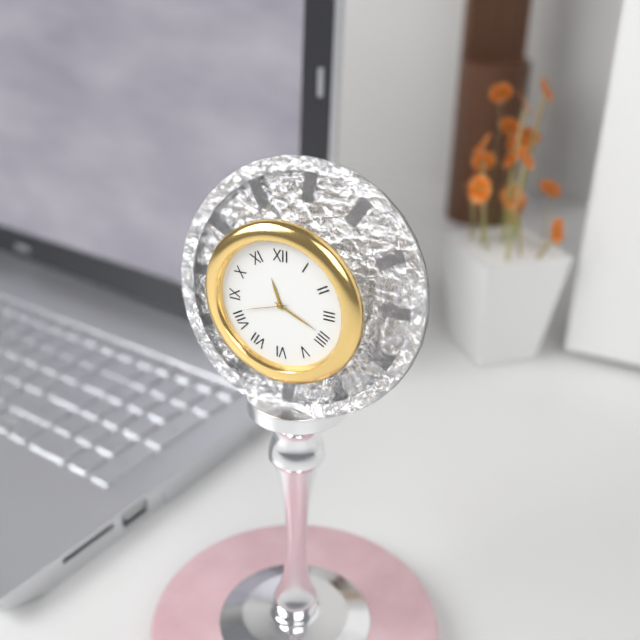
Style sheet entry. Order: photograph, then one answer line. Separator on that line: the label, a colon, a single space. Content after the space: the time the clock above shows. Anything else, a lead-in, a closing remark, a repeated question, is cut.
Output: 11:19
